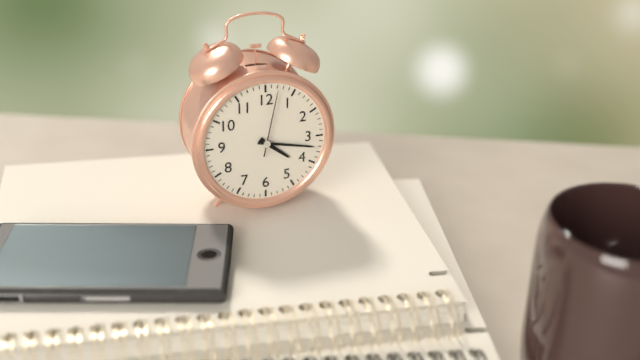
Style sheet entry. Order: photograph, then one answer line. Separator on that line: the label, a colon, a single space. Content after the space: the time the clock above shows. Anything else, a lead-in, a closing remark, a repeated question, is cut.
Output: 4:17:02
